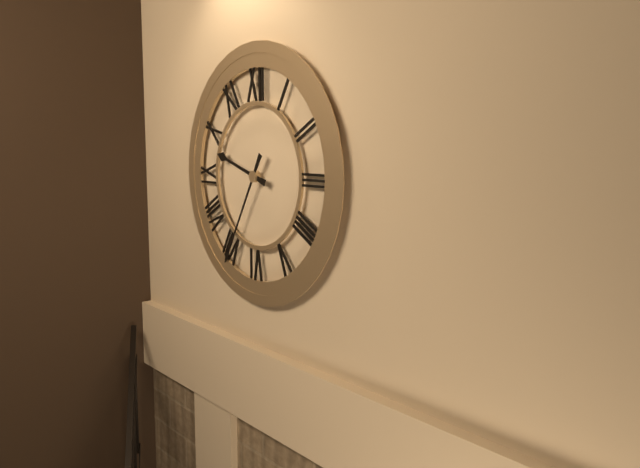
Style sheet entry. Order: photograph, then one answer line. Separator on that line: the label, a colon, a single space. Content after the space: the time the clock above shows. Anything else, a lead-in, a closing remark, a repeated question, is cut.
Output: 9:35
